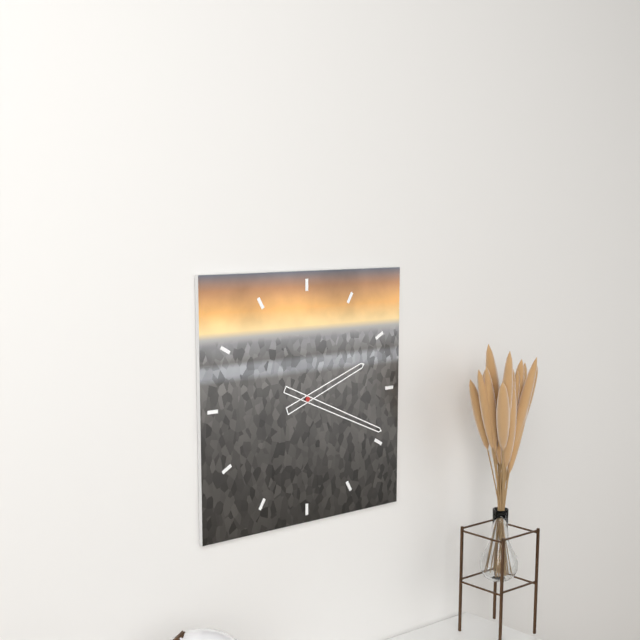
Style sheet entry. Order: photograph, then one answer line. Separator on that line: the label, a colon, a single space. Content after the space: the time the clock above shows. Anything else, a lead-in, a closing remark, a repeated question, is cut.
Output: 2:19
